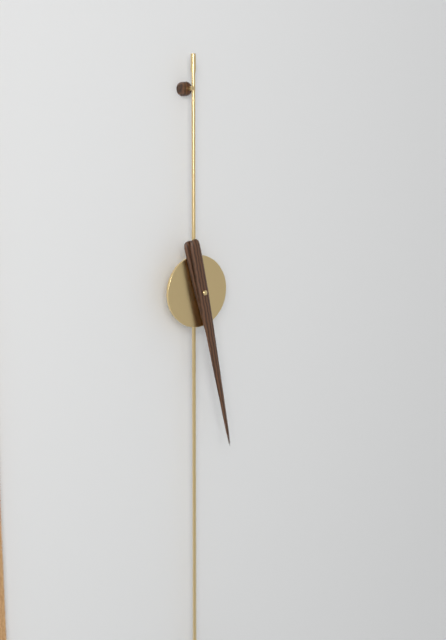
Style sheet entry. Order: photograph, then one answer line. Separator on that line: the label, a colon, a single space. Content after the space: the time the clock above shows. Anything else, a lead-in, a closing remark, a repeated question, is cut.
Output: 5:28
